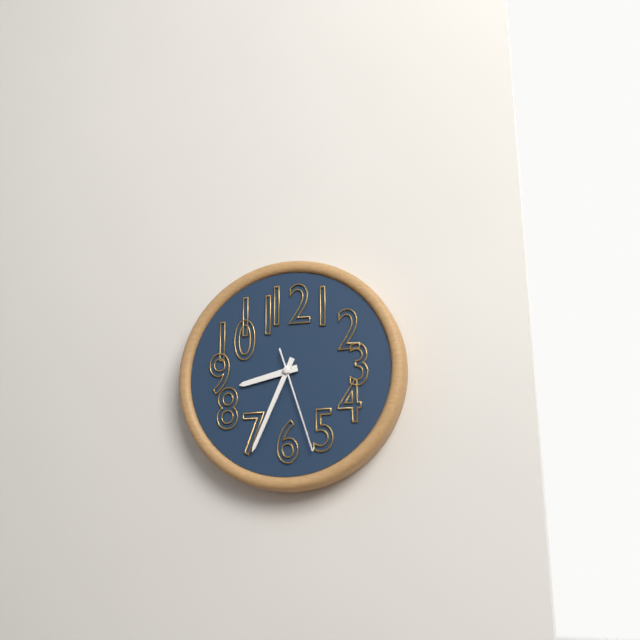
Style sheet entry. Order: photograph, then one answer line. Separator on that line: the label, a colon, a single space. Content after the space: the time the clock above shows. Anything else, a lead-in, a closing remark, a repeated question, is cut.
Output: 8:34:27
